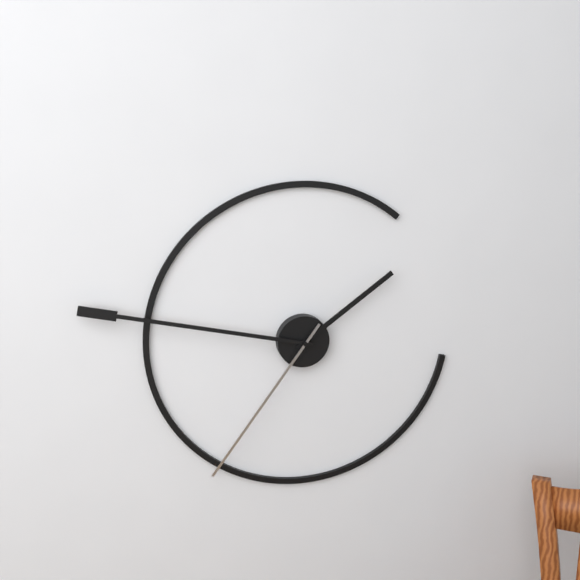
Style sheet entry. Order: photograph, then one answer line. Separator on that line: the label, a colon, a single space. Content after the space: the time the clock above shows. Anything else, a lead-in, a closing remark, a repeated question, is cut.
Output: 1:47:36
